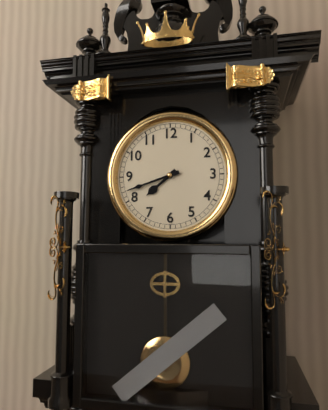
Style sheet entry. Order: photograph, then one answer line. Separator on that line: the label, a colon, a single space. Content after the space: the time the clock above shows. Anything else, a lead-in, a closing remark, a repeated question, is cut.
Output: 7:42
